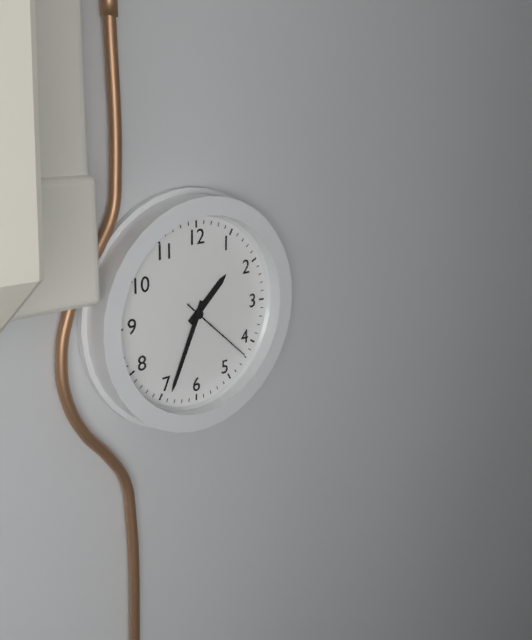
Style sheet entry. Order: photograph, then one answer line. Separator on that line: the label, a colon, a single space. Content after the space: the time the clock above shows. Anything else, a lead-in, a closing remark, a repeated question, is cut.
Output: 1:34:22
